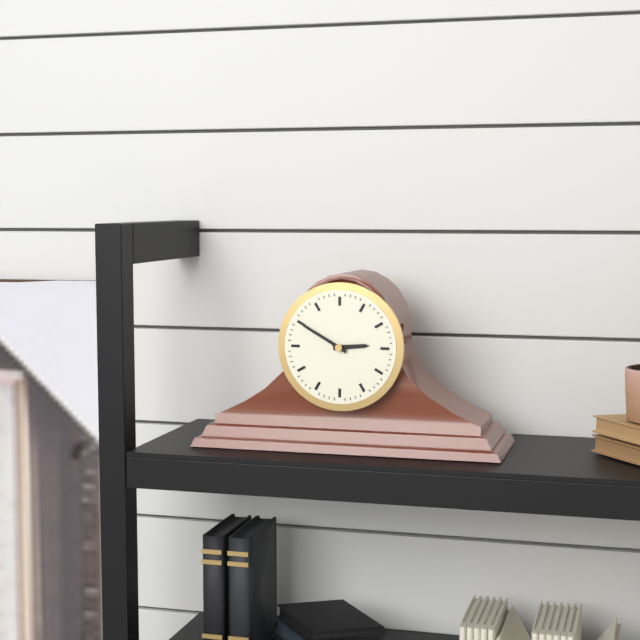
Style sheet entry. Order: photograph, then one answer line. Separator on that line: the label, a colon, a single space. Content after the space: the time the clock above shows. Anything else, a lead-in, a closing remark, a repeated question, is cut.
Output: 2:50
